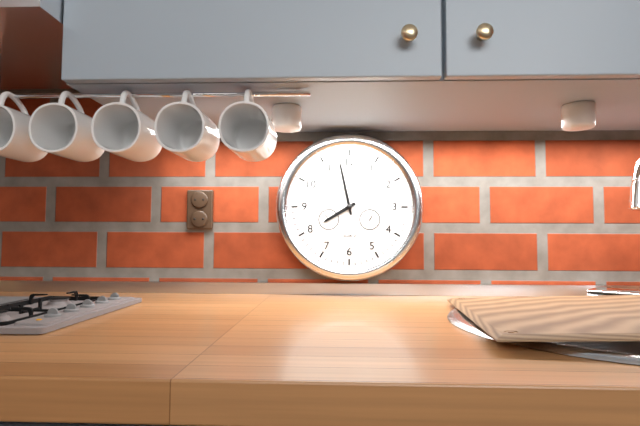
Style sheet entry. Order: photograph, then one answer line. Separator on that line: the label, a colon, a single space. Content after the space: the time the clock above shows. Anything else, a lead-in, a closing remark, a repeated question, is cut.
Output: 7:58
